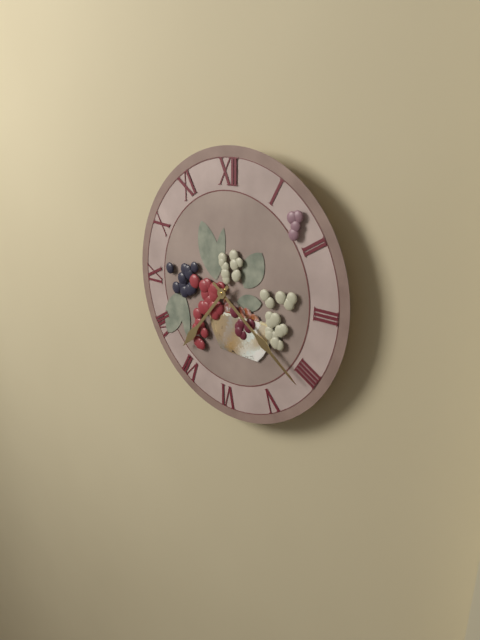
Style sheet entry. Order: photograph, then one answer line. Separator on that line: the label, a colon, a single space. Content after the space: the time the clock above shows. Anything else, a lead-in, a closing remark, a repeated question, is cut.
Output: 7:21
